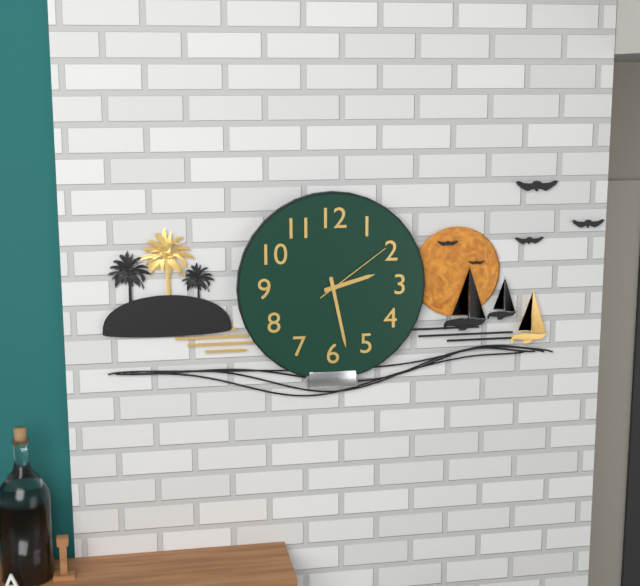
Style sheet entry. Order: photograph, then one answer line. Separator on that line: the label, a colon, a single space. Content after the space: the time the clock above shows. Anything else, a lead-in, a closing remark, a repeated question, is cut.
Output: 2:28:09
